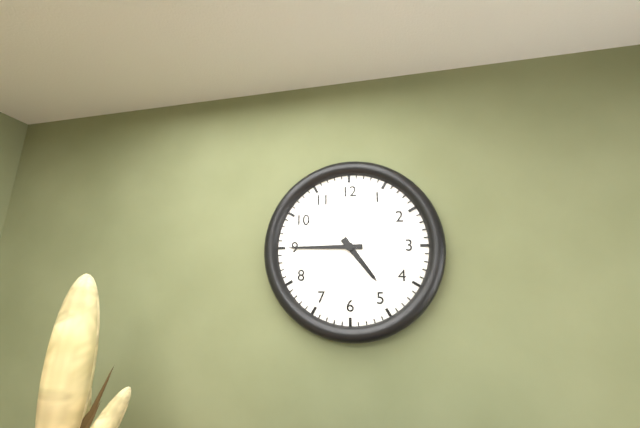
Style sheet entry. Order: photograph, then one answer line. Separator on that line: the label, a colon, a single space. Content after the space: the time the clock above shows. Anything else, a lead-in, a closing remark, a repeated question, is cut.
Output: 4:45
